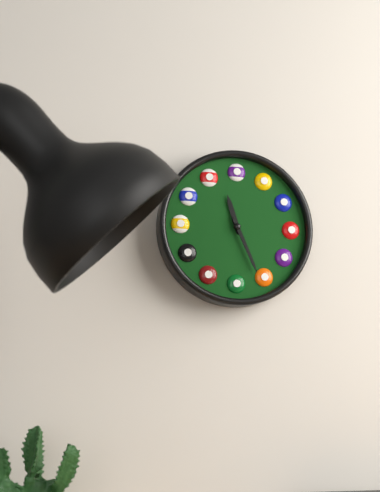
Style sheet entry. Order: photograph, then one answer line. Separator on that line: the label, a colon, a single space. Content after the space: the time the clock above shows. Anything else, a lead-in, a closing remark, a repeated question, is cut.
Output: 11:26
